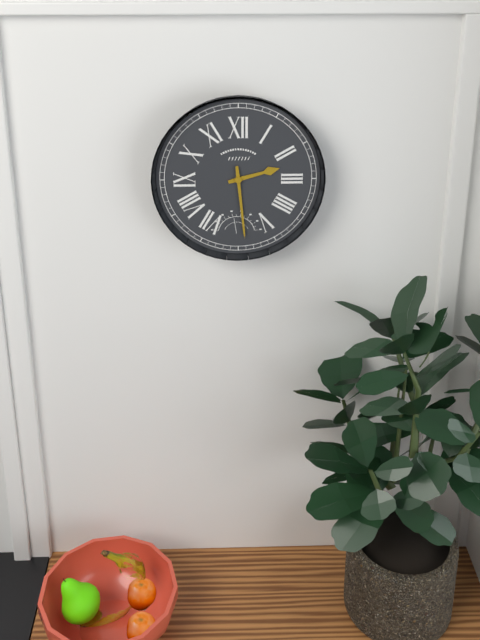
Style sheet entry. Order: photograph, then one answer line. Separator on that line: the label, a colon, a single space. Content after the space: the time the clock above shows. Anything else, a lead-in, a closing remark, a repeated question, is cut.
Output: 2:29
